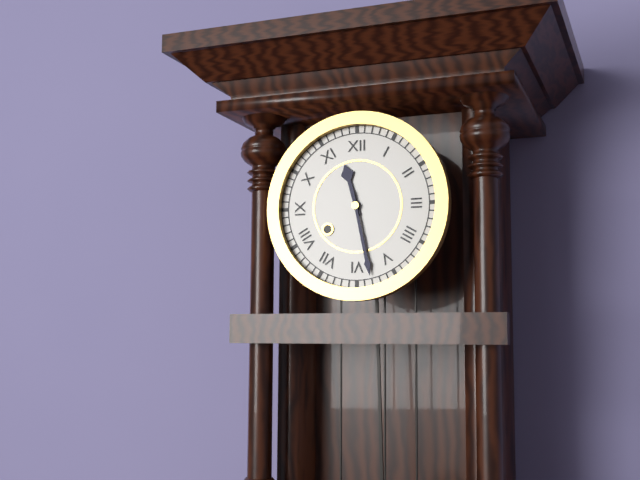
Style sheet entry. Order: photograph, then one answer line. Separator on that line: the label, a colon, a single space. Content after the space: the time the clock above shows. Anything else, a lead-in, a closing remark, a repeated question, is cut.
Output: 11:28
